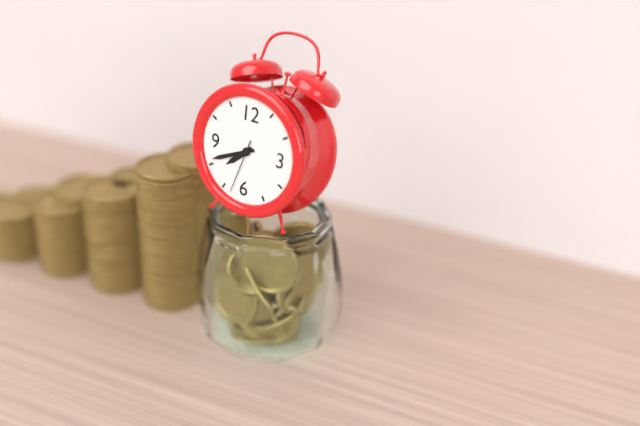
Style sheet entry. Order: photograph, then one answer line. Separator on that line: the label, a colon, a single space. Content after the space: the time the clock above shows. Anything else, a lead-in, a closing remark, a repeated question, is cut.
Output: 7:41:33
